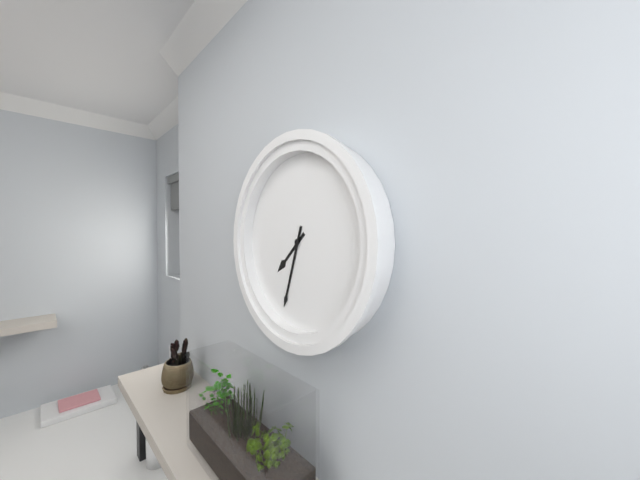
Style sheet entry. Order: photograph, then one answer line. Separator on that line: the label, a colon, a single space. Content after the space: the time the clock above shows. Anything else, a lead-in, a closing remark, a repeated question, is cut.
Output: 7:33
